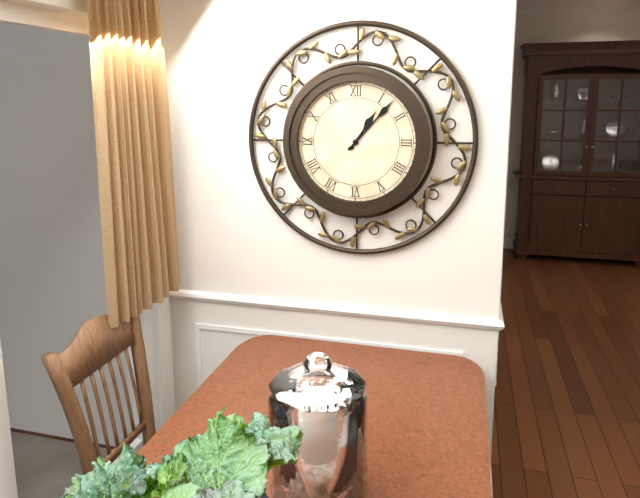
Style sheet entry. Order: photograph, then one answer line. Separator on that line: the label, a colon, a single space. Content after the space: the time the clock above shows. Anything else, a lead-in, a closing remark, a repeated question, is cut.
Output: 1:07
